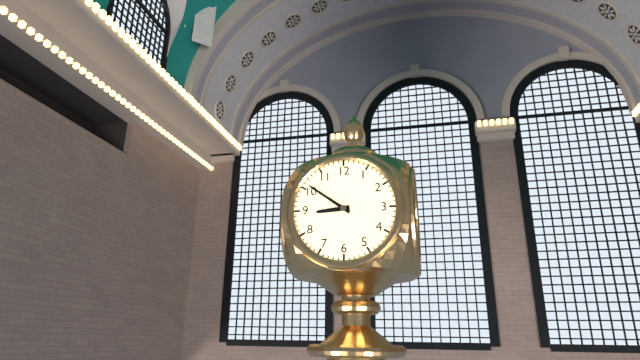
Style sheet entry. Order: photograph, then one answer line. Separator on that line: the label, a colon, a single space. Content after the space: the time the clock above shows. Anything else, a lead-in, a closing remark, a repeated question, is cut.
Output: 8:51
